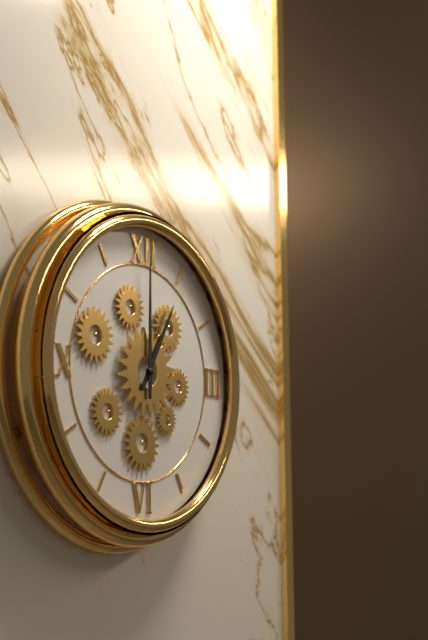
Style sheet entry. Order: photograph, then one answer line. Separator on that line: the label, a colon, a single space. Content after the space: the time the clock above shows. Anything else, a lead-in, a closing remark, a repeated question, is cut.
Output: 1:00
